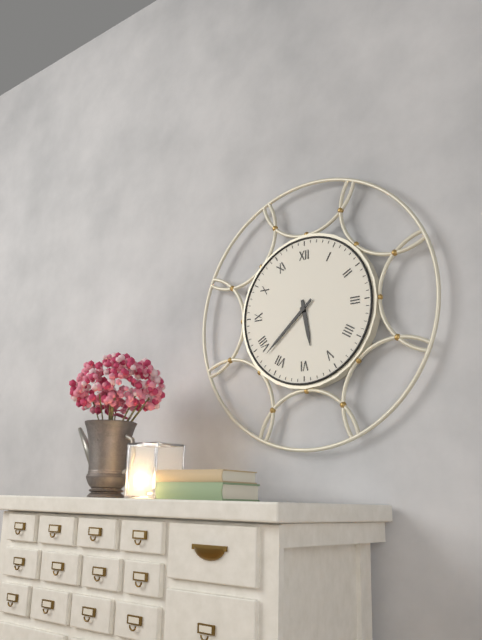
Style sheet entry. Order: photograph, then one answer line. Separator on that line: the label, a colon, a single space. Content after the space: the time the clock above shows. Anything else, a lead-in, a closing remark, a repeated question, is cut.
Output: 5:38
